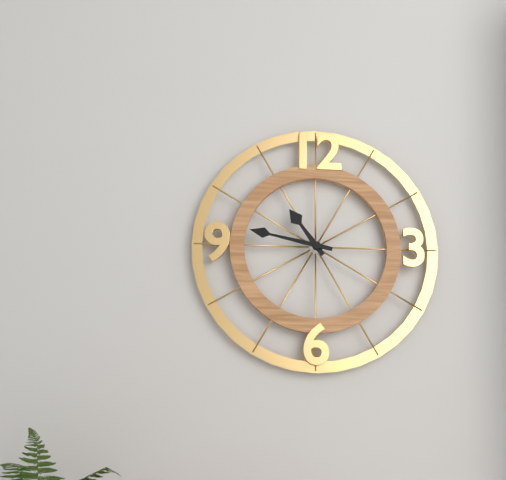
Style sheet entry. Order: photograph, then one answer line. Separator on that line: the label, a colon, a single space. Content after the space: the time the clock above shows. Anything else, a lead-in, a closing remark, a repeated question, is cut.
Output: 10:47
